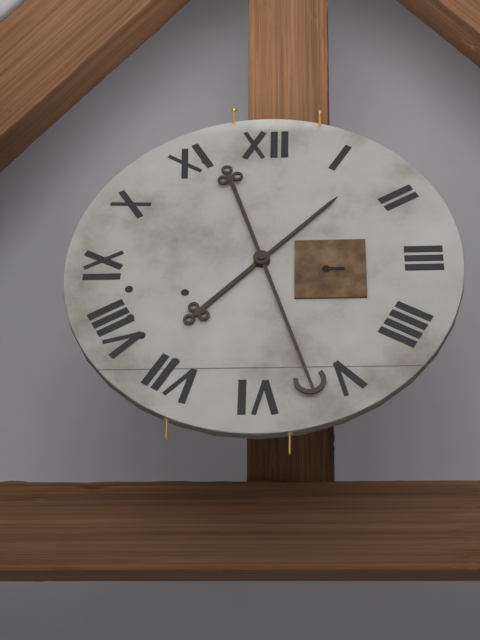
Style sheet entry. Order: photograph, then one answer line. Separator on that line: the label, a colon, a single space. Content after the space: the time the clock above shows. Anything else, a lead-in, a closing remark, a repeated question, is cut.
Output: 1:27
